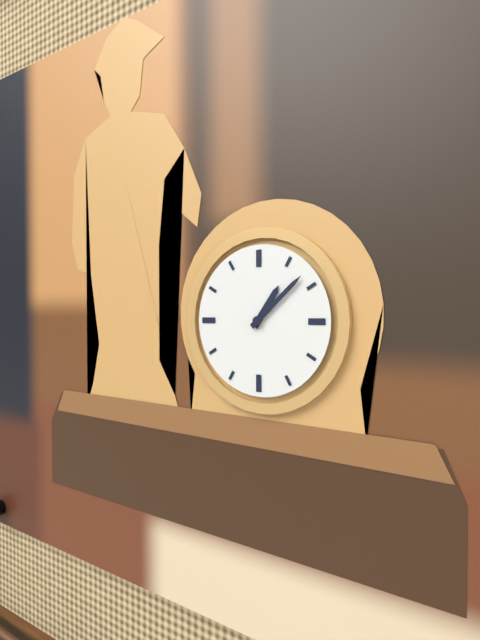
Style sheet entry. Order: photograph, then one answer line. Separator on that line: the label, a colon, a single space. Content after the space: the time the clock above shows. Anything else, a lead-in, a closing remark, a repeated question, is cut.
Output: 1:08
